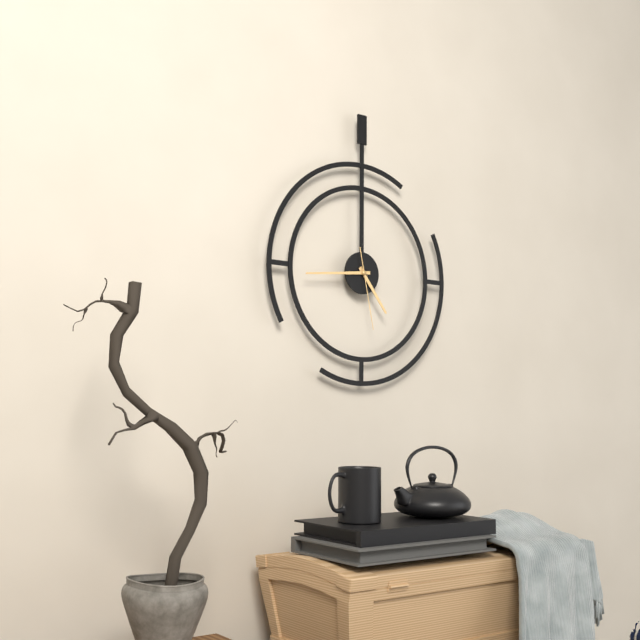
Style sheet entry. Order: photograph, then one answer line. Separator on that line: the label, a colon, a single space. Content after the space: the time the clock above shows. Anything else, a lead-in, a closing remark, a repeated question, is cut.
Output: 4:44:28
